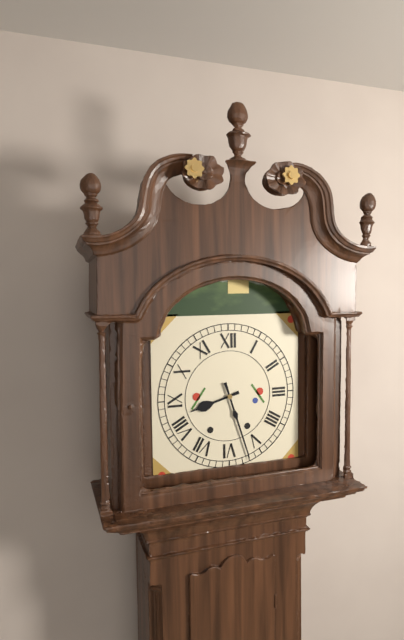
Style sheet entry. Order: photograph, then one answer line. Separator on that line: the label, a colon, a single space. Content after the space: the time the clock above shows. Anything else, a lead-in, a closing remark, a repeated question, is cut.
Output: 8:27
